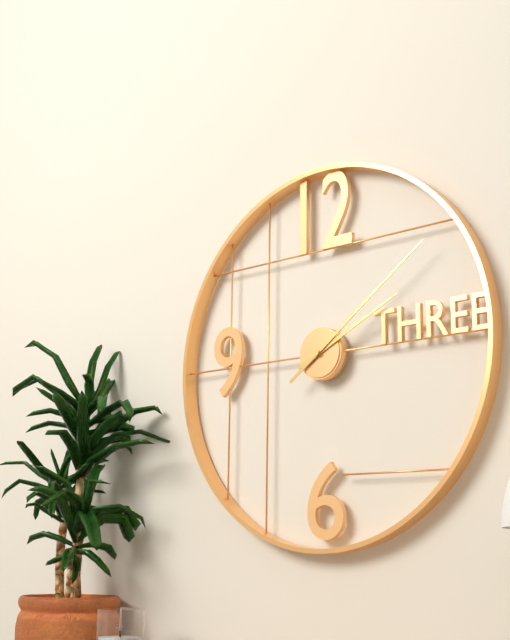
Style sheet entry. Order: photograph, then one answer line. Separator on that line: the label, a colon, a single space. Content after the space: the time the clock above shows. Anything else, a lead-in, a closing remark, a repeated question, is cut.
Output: 2:09
